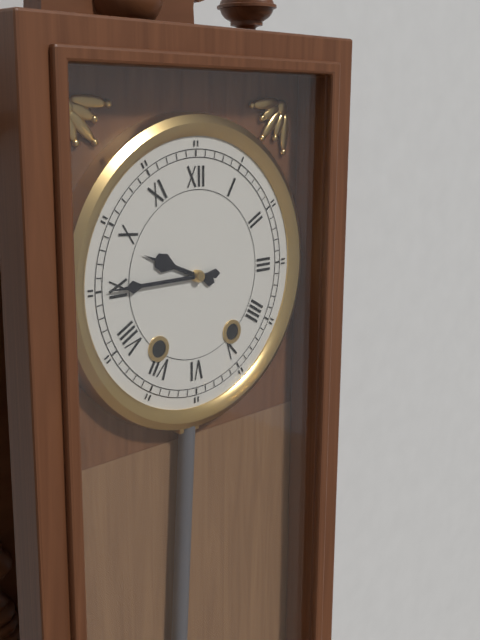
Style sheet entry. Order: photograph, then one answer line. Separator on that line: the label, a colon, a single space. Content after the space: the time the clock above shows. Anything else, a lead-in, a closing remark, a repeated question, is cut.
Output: 9:45
